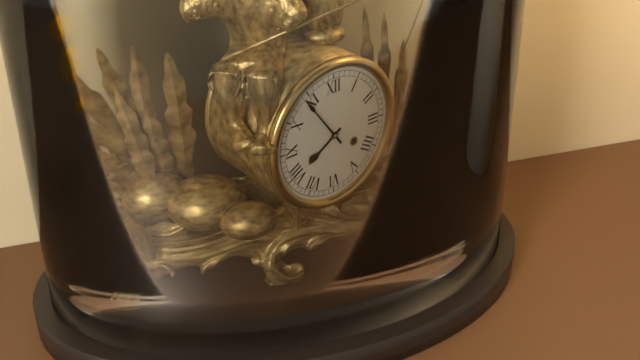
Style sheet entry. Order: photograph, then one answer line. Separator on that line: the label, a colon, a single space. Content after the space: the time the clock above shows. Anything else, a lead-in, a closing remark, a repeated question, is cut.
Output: 7:54
